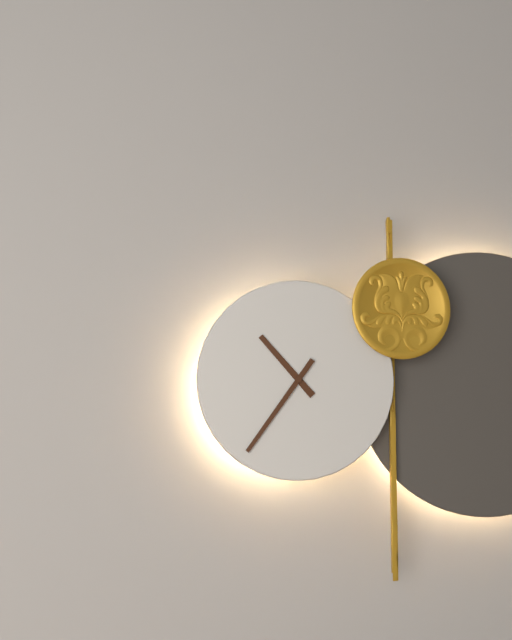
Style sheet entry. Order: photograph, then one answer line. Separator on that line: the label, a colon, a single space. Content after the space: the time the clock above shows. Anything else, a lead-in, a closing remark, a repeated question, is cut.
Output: 10:36
